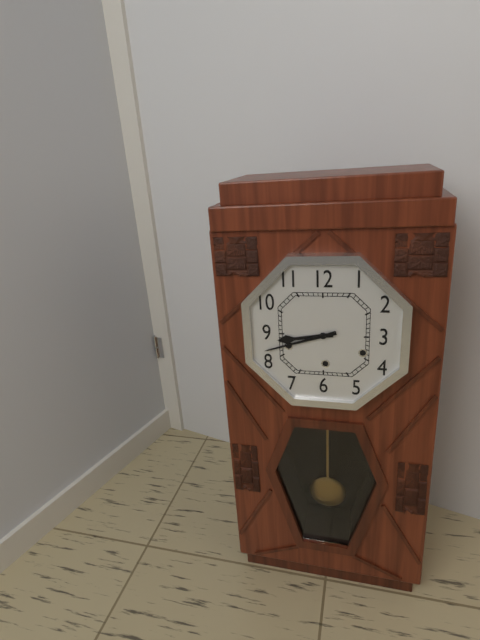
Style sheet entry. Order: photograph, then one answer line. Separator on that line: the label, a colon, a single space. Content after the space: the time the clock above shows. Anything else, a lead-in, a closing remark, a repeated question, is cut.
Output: 8:42
